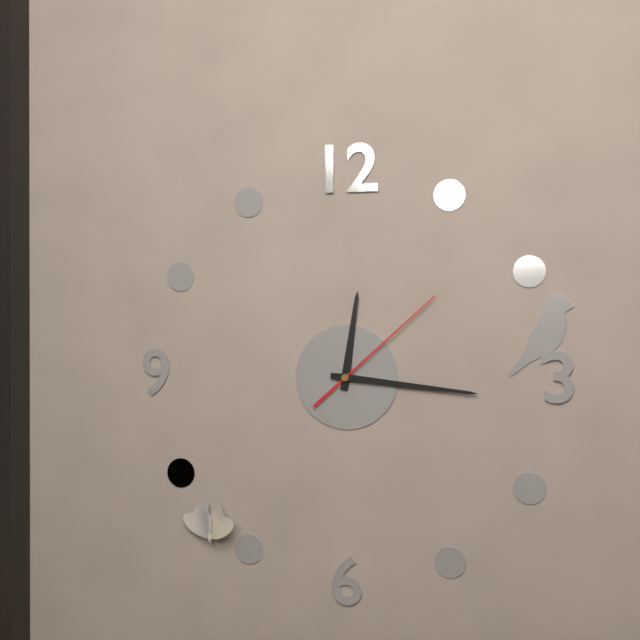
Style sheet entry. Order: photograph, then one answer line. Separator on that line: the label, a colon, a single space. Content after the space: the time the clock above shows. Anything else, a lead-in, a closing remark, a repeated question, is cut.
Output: 12:16:08
